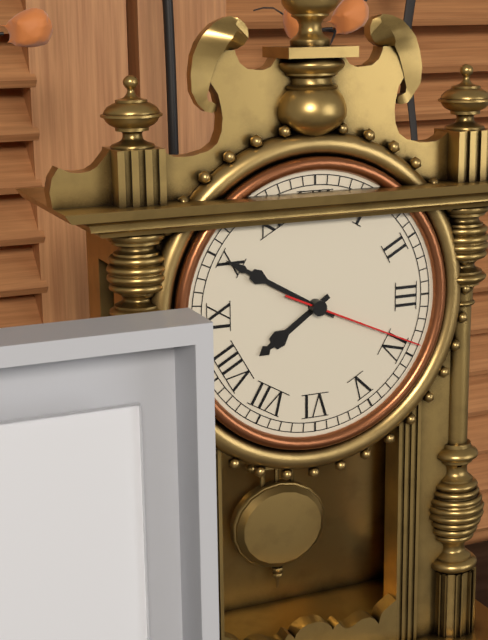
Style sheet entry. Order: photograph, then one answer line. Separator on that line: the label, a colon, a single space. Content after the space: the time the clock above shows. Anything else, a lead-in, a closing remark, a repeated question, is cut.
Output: 7:50:19
